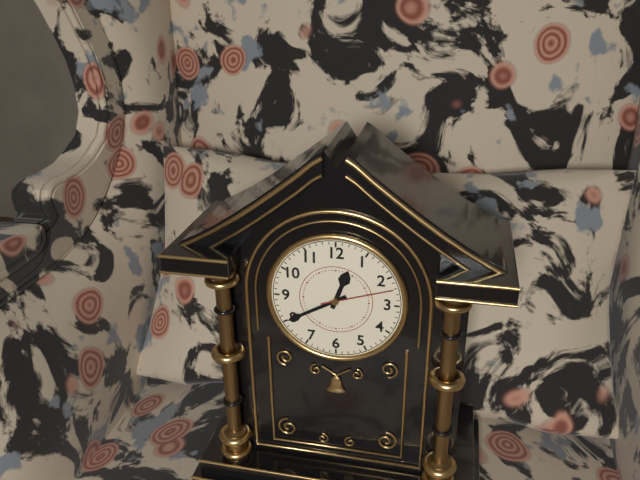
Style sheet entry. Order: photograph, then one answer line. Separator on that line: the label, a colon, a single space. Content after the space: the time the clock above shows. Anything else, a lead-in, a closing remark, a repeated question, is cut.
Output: 12:40:12
